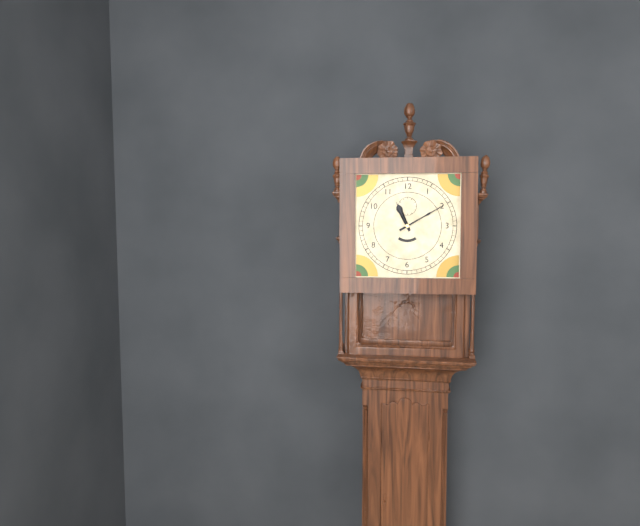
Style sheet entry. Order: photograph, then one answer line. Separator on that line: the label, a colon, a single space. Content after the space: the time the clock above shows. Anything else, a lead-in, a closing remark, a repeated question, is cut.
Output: 11:10
